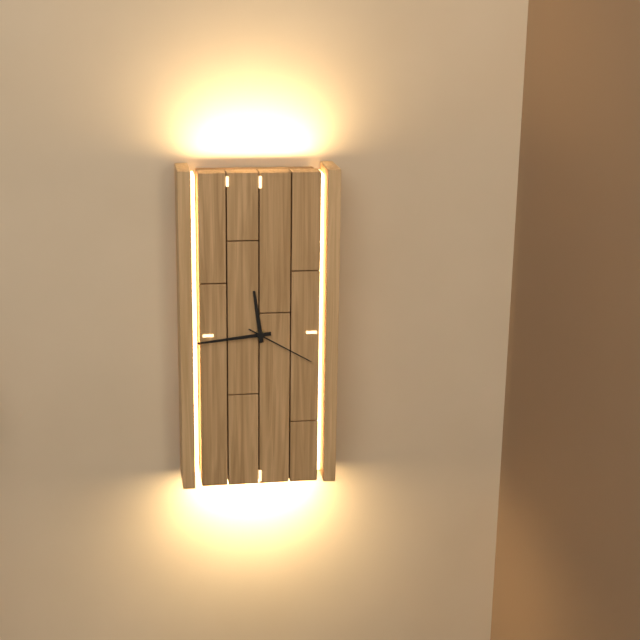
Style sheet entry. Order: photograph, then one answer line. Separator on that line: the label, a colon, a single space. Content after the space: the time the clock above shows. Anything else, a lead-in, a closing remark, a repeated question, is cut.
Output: 11:44:20
